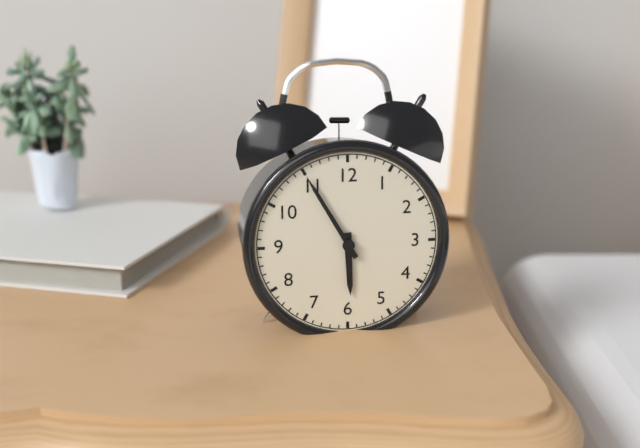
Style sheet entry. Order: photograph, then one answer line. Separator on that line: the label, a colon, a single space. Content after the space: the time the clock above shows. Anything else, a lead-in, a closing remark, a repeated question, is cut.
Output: 5:55
